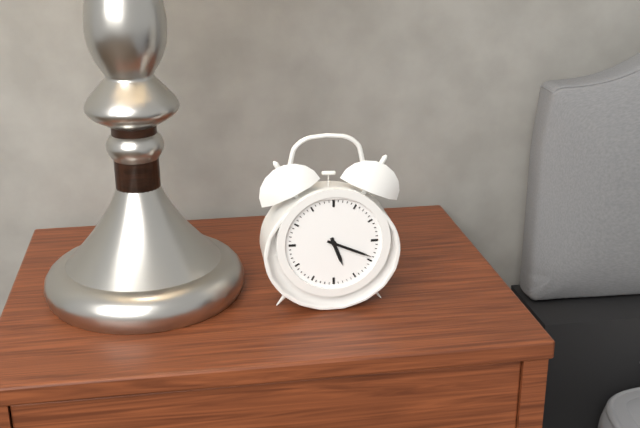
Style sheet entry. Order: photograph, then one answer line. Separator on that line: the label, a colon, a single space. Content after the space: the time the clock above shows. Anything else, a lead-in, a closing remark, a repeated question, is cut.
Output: 5:19
